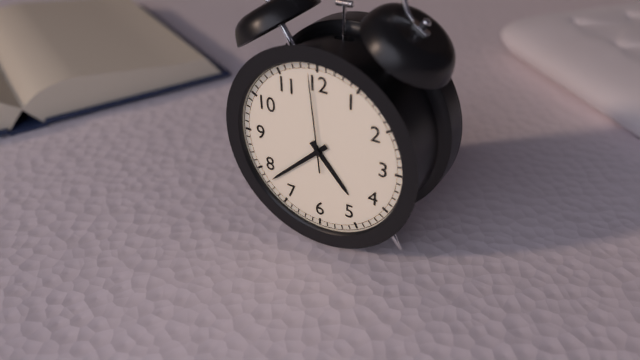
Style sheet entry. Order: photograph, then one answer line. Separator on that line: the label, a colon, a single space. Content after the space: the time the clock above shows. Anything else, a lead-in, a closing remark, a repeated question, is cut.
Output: 4:38:59
